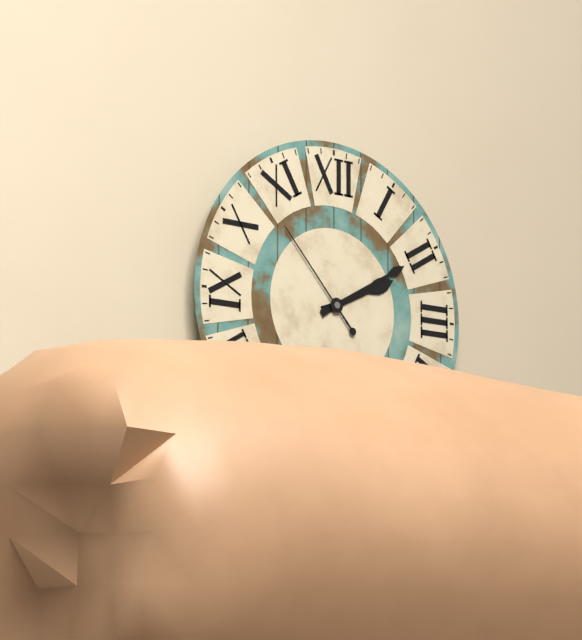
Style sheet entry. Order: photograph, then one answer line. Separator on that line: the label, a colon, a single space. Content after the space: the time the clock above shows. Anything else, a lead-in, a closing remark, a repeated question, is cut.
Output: 2:10:53
